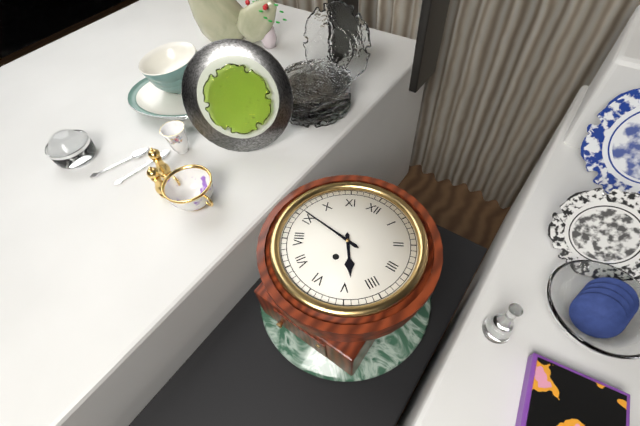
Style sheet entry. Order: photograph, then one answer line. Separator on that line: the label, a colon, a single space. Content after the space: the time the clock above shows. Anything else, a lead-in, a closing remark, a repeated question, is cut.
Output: 4:46
